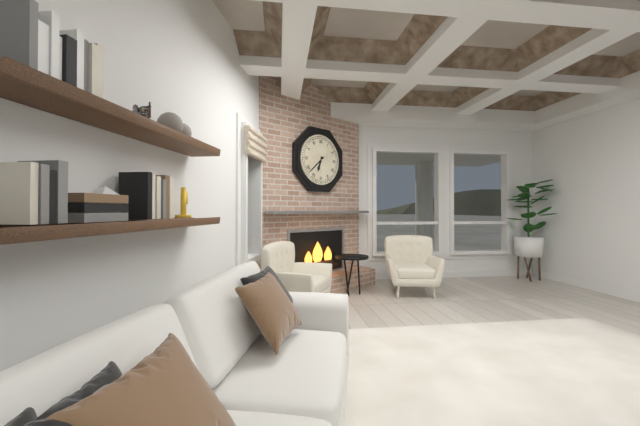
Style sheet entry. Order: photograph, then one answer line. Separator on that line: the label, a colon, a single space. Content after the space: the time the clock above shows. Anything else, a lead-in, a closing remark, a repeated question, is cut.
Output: 6:38
